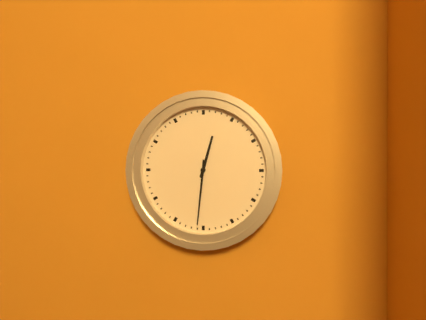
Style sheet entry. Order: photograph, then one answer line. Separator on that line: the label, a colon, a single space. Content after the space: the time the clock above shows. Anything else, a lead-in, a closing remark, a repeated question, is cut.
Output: 12:31
